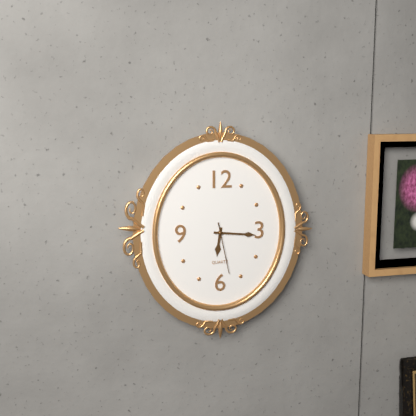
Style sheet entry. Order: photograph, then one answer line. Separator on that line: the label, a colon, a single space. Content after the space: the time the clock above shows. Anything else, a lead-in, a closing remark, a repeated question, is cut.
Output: 6:16:28
